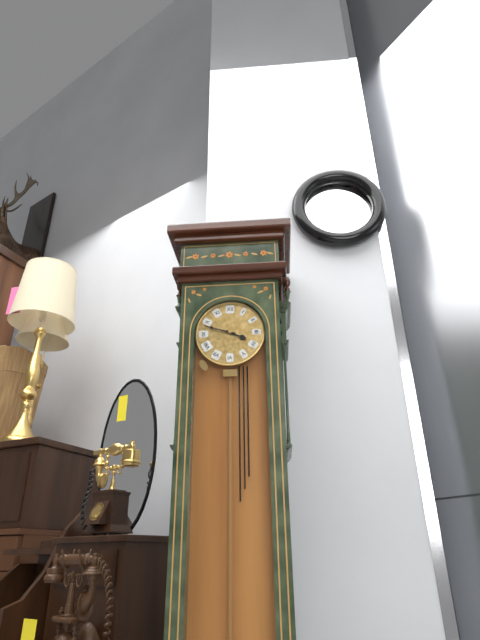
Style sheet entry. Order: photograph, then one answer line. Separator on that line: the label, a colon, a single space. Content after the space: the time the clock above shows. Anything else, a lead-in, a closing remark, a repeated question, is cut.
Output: 3:48
